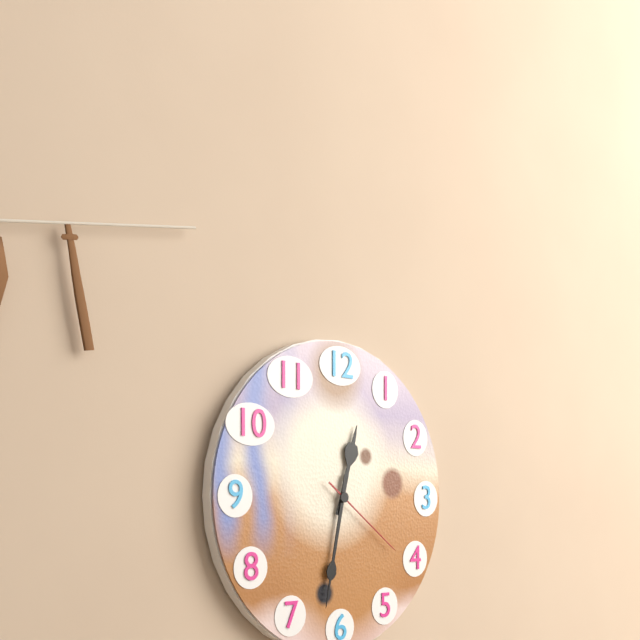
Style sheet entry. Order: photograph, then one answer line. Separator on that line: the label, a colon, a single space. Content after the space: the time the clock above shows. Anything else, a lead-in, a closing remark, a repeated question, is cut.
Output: 12:32:21
